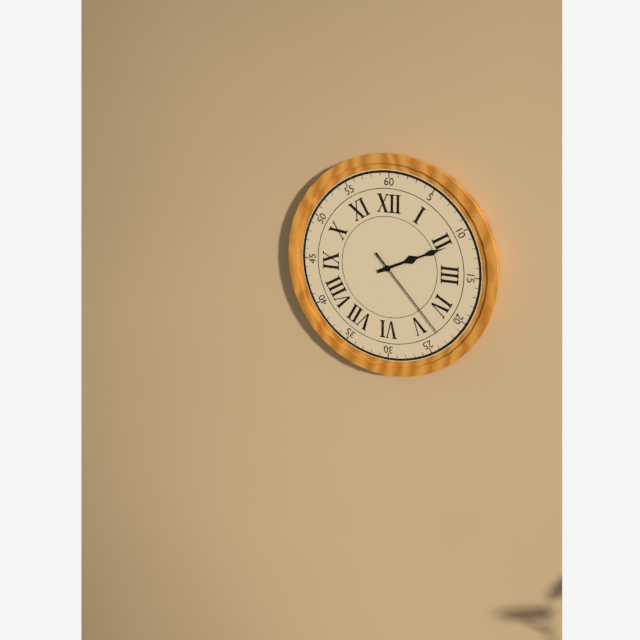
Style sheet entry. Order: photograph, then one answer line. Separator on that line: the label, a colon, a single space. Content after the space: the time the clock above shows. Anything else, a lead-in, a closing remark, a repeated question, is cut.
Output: 2:11:23
